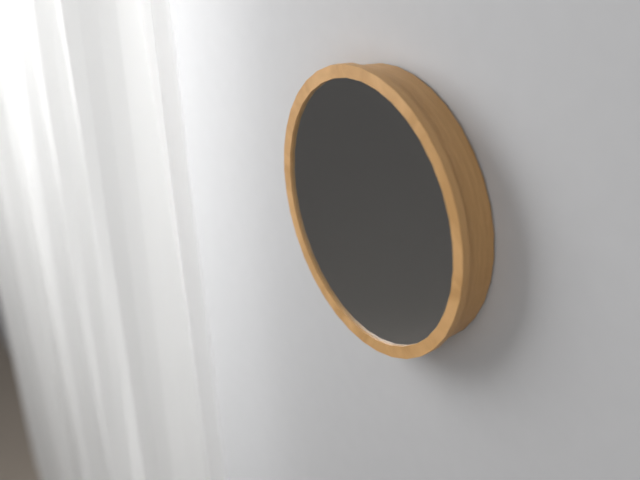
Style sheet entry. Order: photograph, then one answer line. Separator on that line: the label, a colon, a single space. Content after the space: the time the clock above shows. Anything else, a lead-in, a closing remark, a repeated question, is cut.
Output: 4:56
